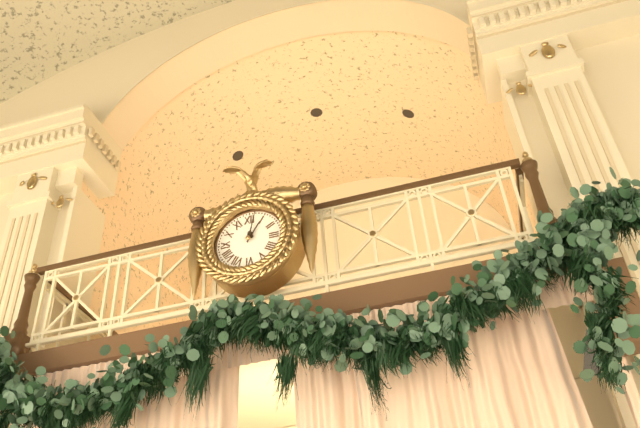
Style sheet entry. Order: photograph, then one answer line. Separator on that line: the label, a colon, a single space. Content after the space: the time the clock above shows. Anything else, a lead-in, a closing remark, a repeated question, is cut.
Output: 1:02
